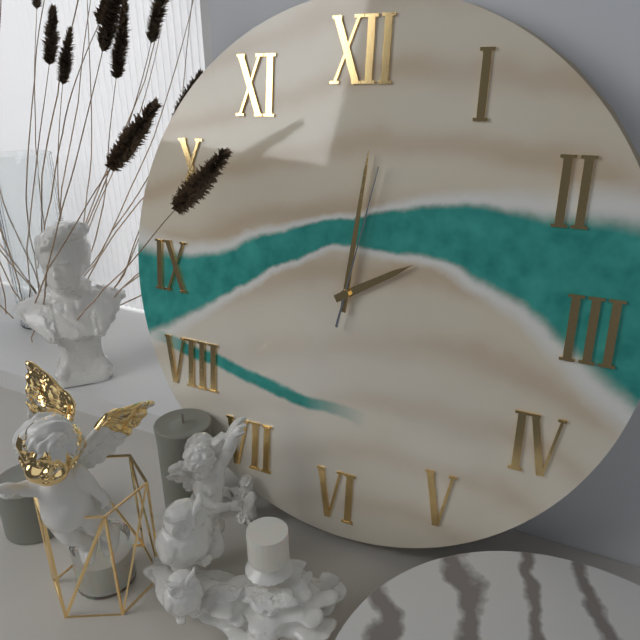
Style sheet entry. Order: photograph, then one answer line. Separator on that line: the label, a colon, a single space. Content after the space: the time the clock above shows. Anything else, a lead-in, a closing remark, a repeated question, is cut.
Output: 2:01:02
